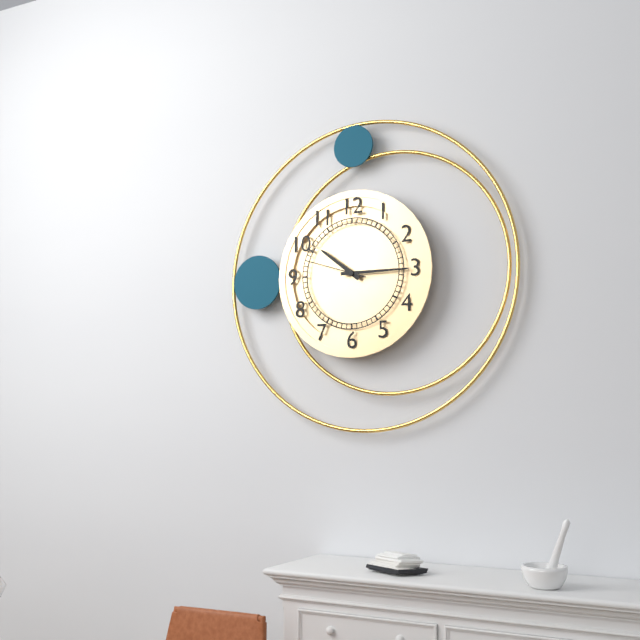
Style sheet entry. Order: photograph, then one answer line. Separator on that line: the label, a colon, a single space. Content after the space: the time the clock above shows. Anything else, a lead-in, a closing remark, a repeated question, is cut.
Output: 10:15:48
